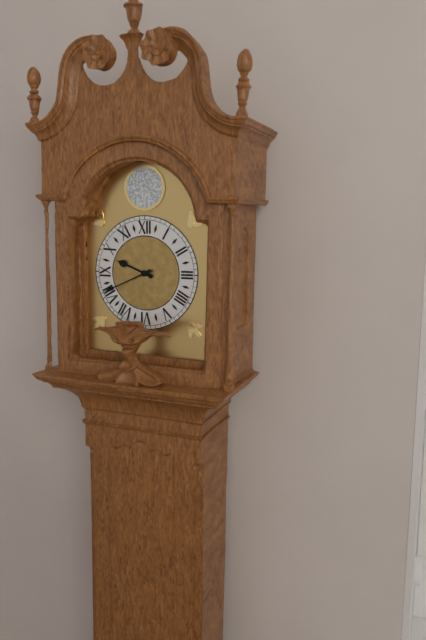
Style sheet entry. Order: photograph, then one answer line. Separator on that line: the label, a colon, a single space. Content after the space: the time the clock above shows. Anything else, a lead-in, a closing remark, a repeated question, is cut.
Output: 9:41
